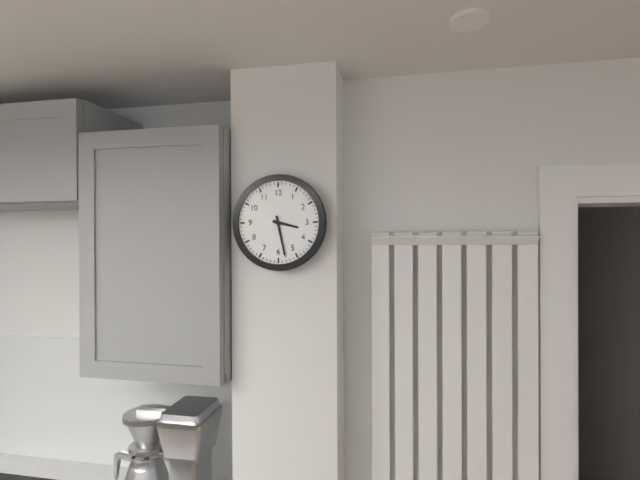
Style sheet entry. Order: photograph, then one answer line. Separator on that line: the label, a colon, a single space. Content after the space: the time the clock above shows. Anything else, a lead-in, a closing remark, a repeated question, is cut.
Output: 3:28
